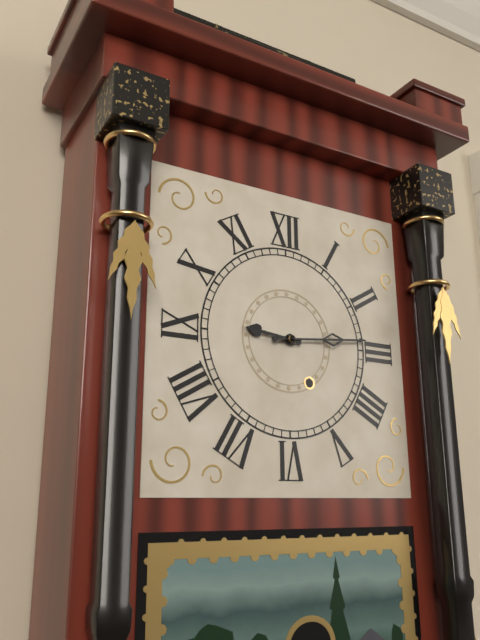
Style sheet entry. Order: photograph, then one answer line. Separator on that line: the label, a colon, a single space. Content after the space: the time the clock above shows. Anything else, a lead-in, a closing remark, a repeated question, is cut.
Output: 9:14
